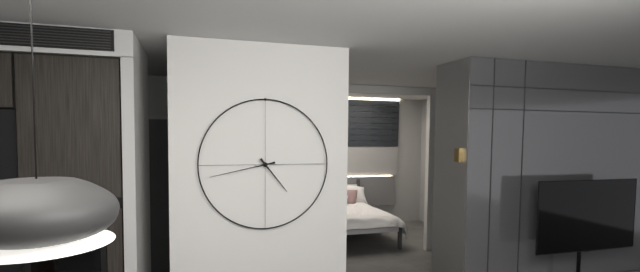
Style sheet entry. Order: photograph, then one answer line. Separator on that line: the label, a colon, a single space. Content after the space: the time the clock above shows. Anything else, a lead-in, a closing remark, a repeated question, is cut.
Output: 4:43
